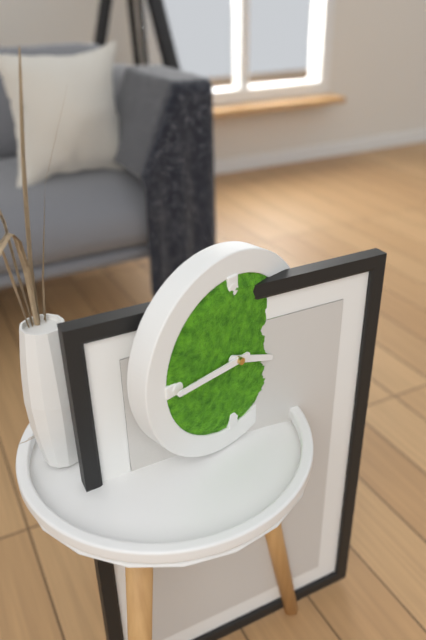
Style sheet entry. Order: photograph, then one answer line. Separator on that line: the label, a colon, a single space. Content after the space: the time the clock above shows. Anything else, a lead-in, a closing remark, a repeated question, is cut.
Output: 3:45
